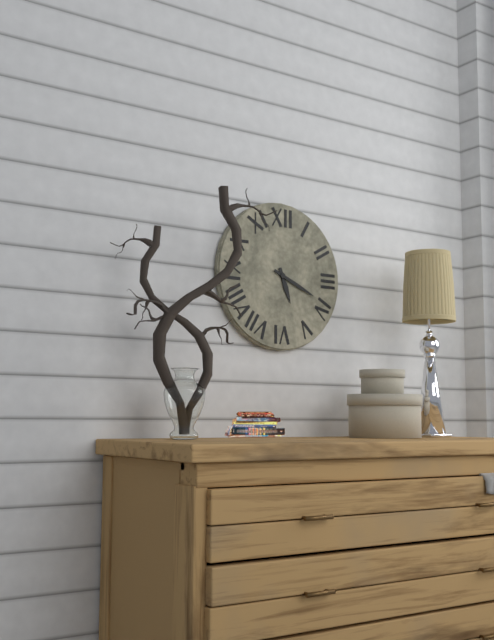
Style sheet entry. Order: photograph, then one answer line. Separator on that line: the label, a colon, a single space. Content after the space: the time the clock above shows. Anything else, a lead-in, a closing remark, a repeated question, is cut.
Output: 5:19
